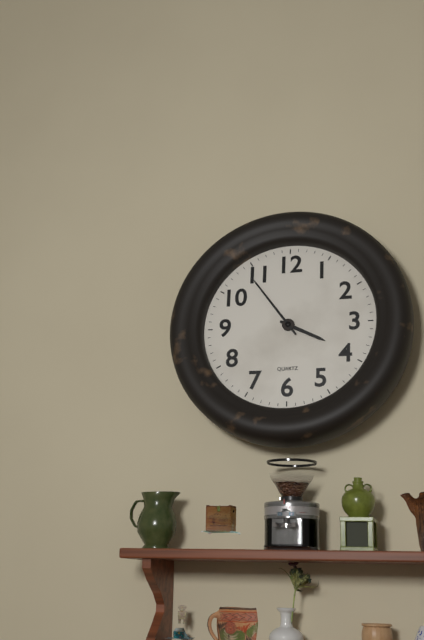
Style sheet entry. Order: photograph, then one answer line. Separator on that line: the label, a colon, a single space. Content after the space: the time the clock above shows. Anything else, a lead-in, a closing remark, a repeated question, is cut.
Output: 3:54
